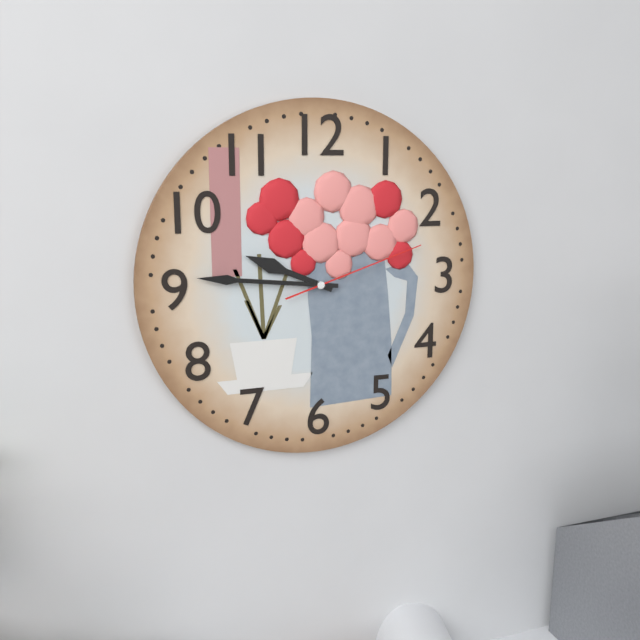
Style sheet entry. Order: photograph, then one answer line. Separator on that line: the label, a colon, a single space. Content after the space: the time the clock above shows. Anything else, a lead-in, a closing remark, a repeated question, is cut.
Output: 9:46:12
